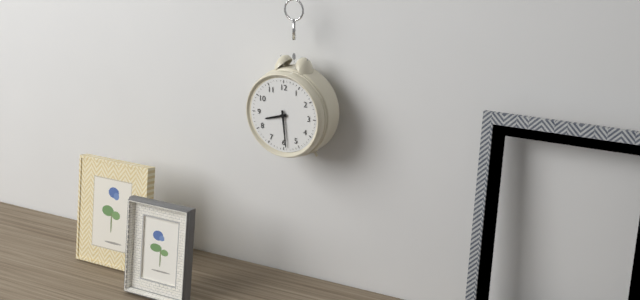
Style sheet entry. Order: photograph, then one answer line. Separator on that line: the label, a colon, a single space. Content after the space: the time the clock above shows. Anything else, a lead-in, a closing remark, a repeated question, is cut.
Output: 8:29
